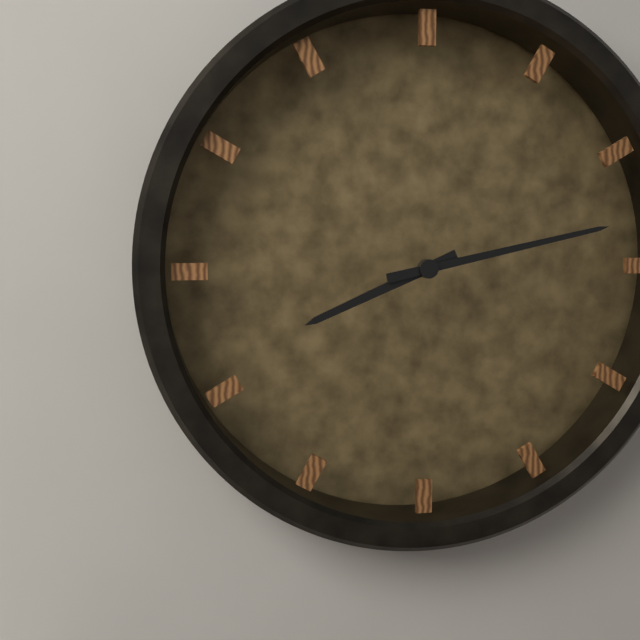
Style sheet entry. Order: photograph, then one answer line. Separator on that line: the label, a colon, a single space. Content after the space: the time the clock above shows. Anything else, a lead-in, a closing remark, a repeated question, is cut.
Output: 8:13
